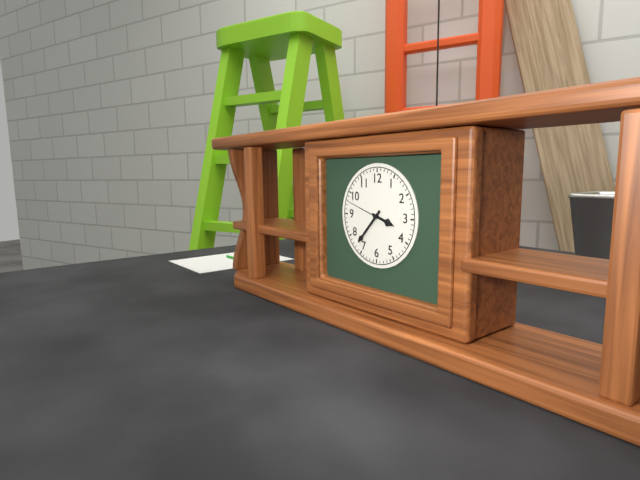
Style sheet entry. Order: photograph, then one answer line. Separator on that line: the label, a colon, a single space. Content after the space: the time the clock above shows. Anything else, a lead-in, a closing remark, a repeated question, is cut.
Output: 3:37
